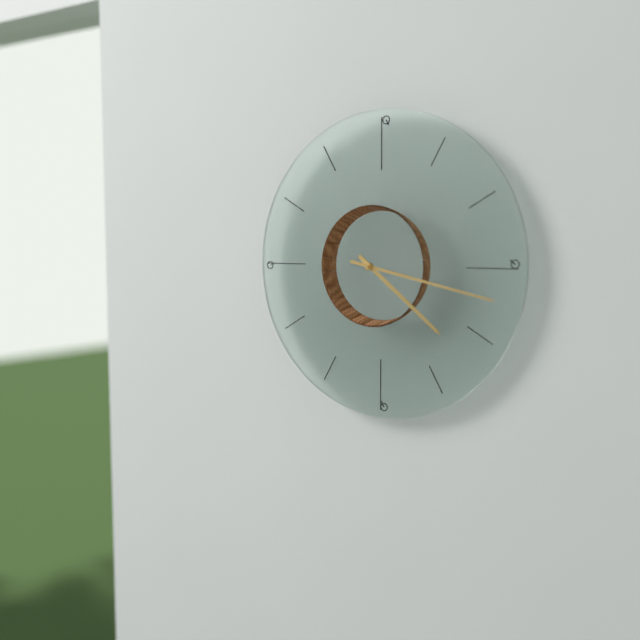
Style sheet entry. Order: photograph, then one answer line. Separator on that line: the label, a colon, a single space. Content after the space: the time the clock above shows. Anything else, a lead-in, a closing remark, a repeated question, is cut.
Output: 4:17
